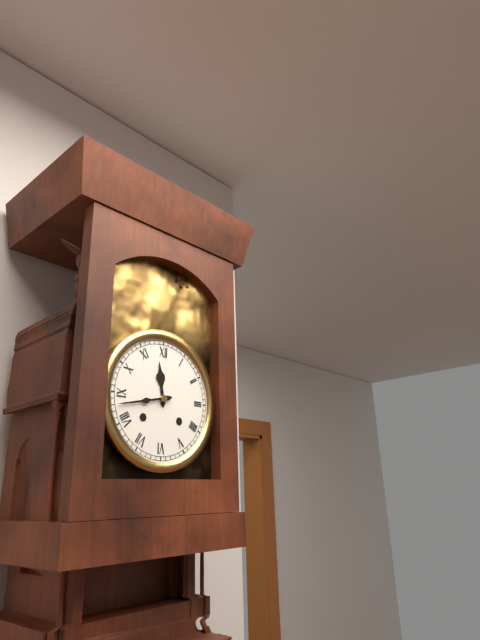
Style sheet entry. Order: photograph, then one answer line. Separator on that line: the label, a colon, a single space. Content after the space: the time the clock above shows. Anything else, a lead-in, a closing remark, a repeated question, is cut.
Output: 11:43
